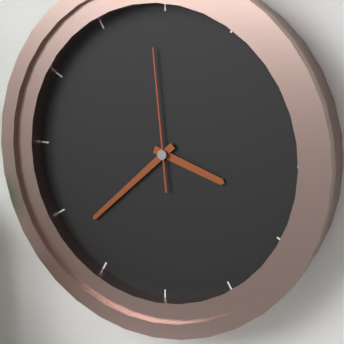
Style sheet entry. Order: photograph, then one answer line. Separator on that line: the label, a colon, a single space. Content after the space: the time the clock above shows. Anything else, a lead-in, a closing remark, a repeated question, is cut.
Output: 3:38:59
